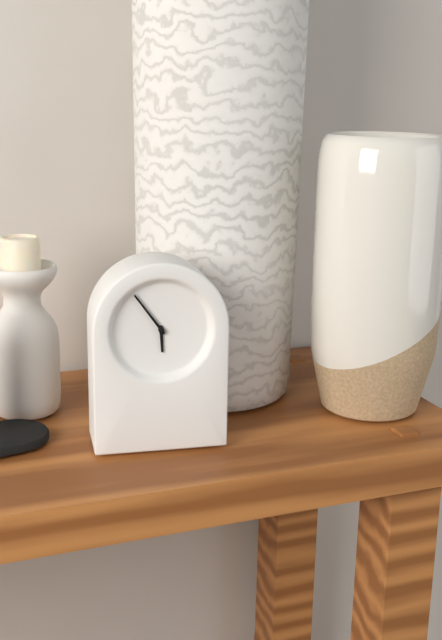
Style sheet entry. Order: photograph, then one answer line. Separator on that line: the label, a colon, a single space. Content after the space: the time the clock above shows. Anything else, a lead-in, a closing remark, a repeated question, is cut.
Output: 5:54
